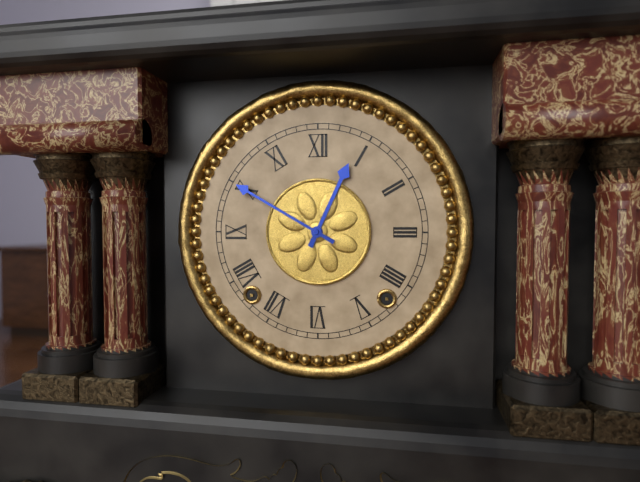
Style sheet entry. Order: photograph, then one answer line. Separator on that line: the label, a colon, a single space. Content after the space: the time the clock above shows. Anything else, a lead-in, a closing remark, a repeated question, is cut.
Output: 12:50
